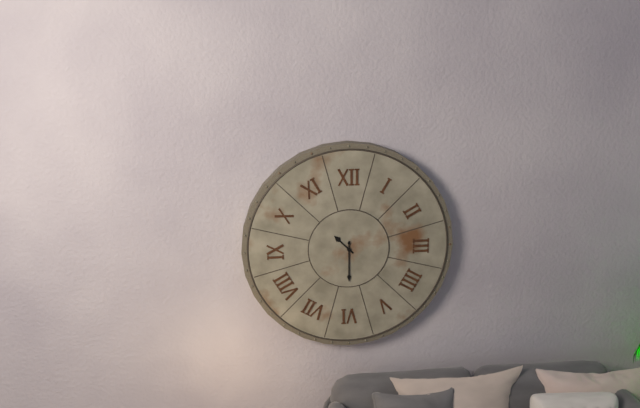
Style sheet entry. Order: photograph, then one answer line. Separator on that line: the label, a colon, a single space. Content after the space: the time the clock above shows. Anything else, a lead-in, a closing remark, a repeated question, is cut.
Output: 10:30
